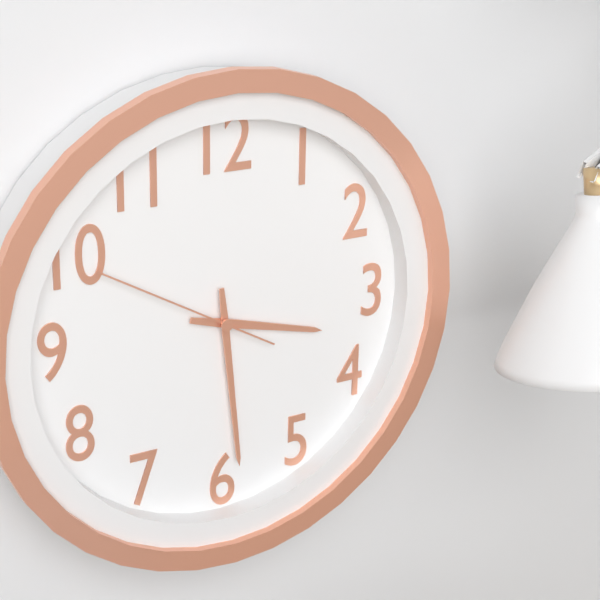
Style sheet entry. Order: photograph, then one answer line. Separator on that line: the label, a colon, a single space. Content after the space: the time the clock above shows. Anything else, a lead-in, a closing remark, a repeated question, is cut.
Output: 3:29:50
